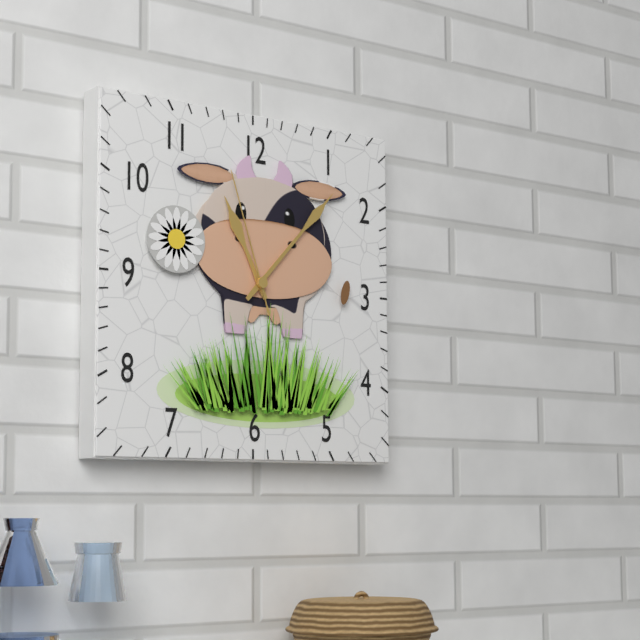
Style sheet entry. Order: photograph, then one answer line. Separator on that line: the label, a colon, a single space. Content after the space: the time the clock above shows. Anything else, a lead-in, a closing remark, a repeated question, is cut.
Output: 11:07:57
